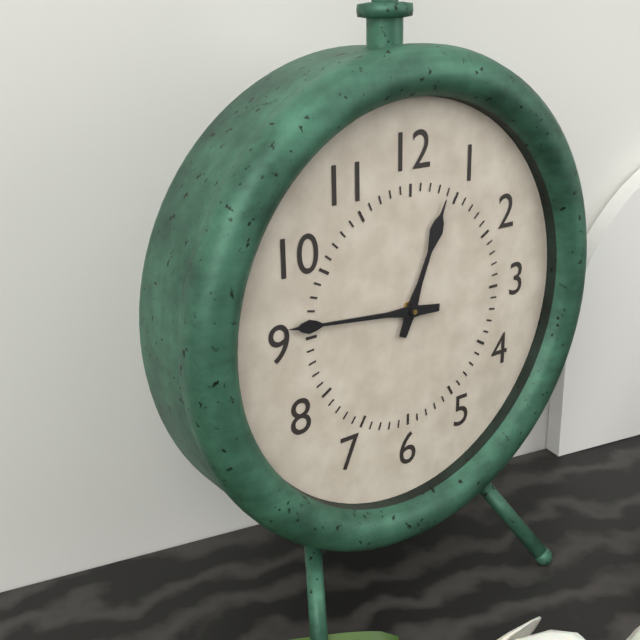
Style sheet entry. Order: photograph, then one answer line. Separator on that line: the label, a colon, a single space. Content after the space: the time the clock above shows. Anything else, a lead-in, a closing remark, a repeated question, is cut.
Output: 12:46
